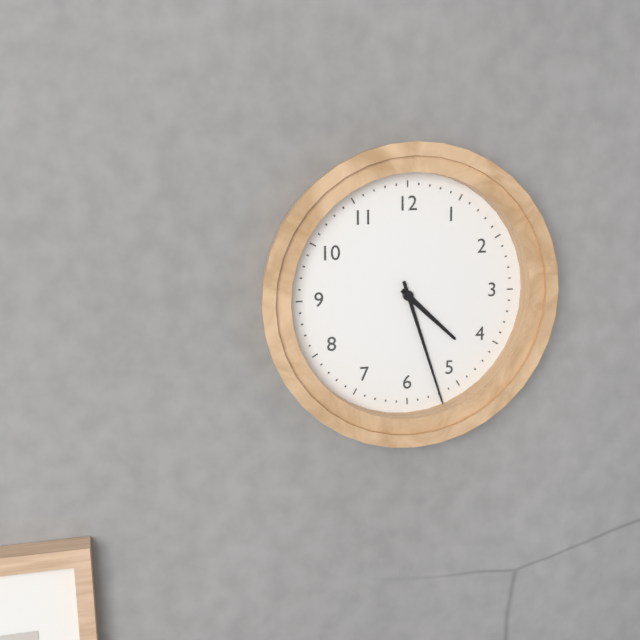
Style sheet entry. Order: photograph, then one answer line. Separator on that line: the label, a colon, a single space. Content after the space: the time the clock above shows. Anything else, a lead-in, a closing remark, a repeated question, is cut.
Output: 4:27
